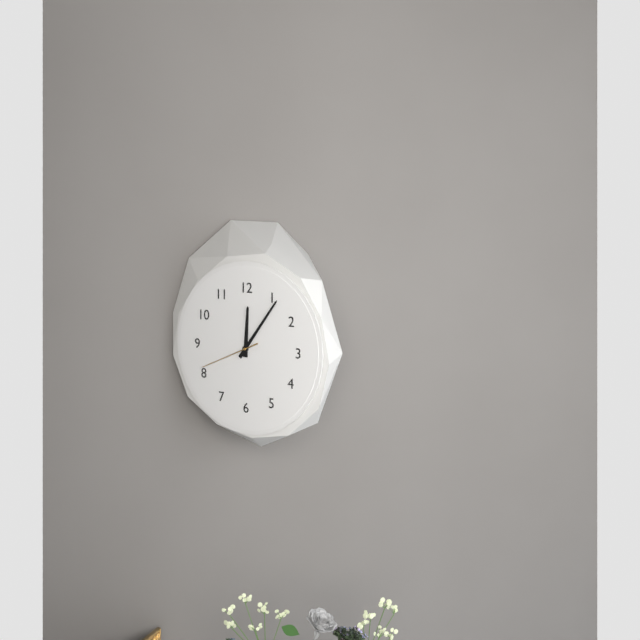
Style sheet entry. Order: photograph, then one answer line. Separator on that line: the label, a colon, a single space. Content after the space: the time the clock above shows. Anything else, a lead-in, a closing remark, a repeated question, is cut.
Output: 12:06:41
